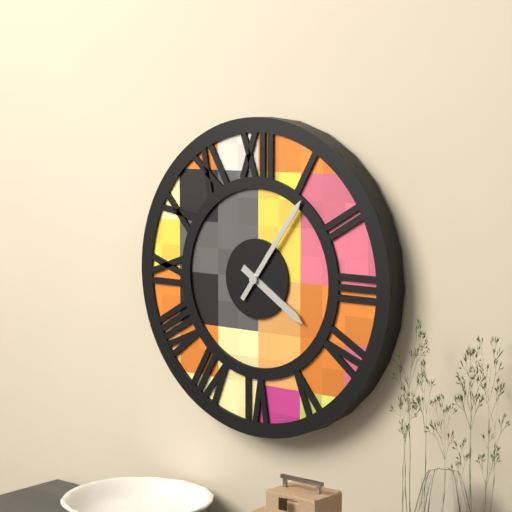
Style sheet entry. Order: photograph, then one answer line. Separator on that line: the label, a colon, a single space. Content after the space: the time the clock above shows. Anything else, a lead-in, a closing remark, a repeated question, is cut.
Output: 4:06
